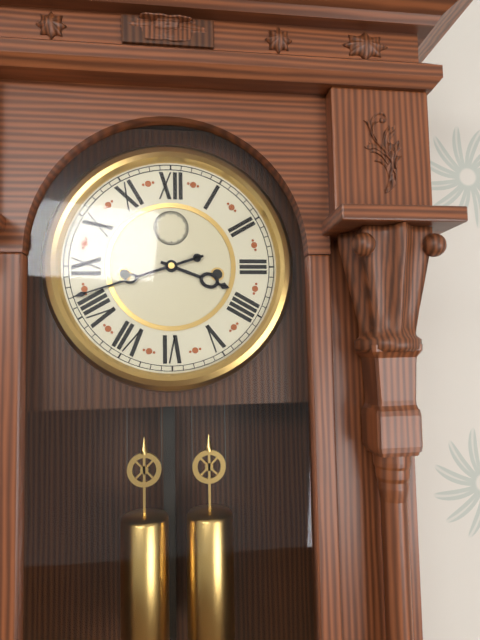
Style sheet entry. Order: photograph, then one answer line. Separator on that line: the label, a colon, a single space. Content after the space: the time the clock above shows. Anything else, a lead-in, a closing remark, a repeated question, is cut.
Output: 3:42
